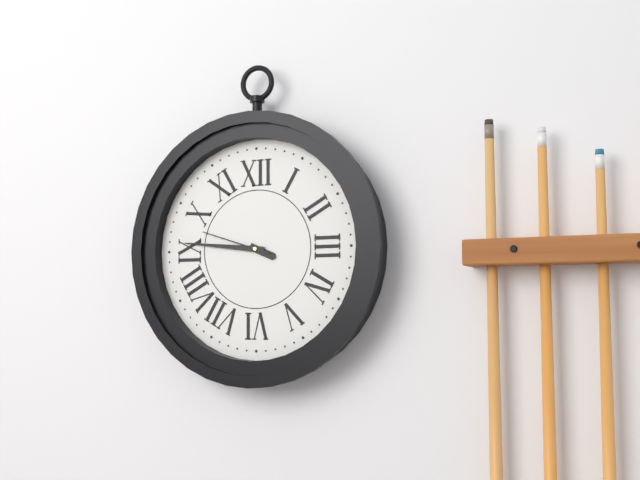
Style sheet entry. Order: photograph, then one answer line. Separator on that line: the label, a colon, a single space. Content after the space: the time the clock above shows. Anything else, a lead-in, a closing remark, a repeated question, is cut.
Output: 3:46:48
